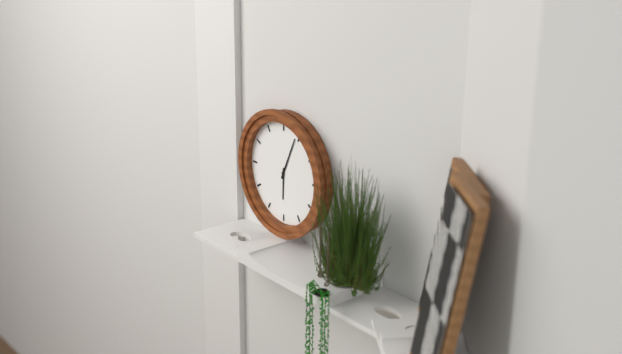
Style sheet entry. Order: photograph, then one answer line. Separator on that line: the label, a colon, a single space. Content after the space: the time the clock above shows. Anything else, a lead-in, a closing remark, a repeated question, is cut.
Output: 6:04
